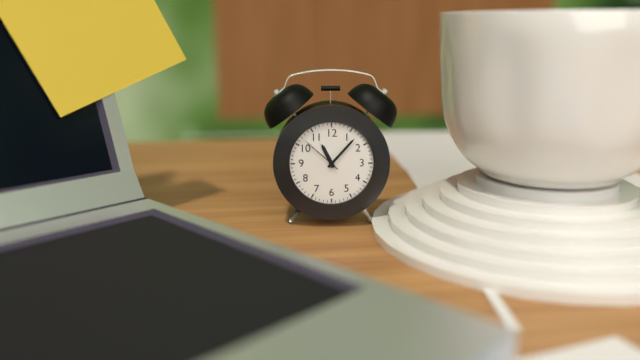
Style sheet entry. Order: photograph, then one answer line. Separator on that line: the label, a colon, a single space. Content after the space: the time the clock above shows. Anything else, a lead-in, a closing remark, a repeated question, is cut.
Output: 11:07
